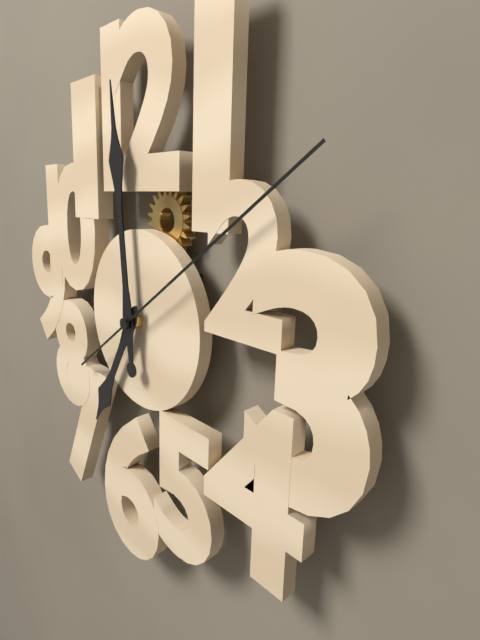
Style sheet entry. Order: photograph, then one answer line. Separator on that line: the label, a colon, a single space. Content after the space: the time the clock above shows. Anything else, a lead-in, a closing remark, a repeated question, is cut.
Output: 6:59:09
